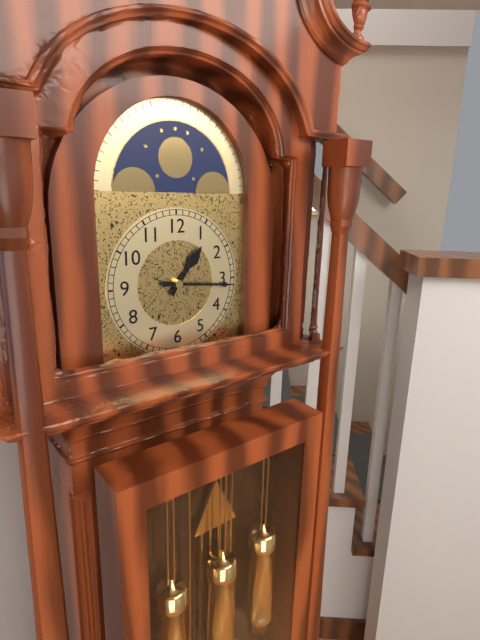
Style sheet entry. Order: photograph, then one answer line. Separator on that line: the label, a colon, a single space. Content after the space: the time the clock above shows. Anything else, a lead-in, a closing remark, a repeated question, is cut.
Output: 1:16
